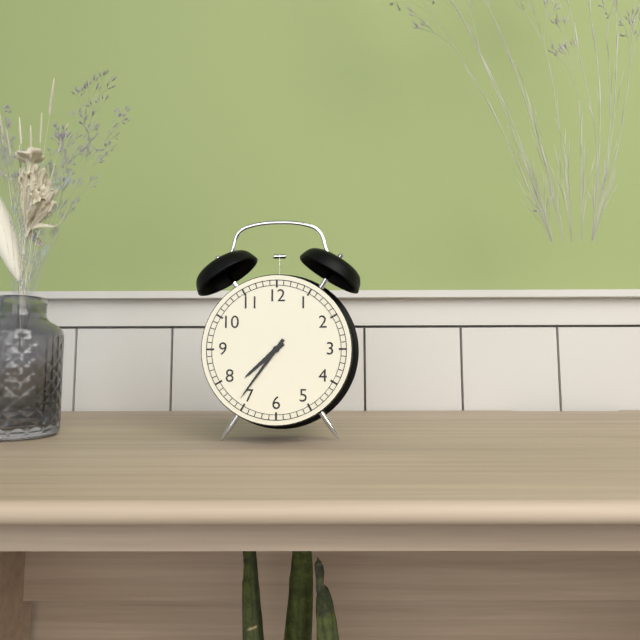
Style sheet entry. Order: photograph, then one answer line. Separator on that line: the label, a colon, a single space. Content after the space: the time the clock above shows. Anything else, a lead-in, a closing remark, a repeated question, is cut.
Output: 7:36
